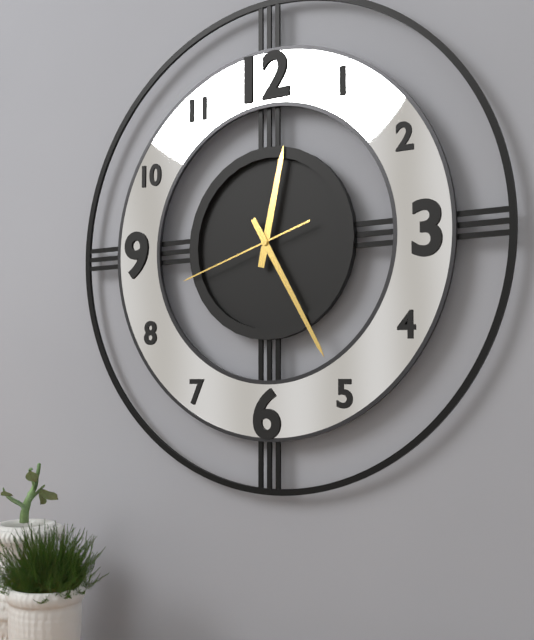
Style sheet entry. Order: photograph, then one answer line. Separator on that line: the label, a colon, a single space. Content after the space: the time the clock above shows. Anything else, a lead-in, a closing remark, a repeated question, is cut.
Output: 12:25:42
